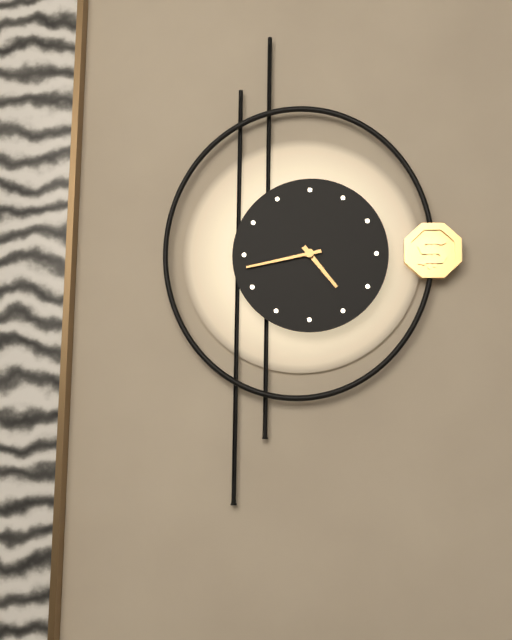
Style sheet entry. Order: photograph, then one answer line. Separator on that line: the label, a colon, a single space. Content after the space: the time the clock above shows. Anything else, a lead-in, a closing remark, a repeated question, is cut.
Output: 4:43
